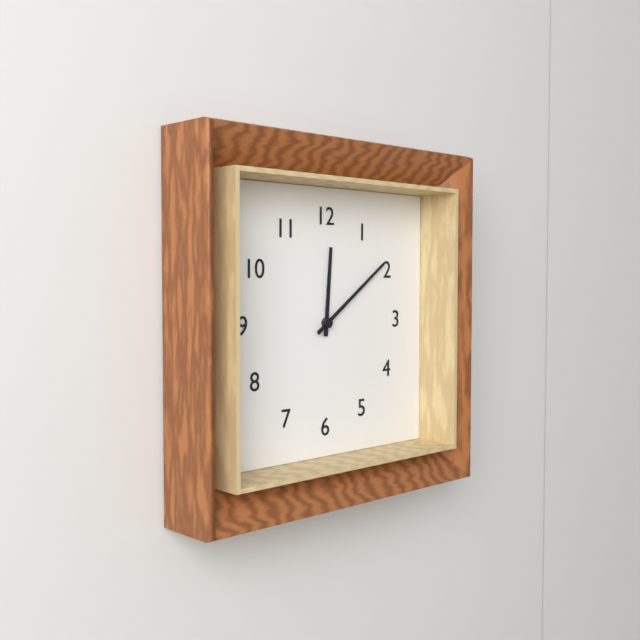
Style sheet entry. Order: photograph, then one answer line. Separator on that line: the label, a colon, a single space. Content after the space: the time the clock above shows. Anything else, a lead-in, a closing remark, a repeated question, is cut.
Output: 12:09
